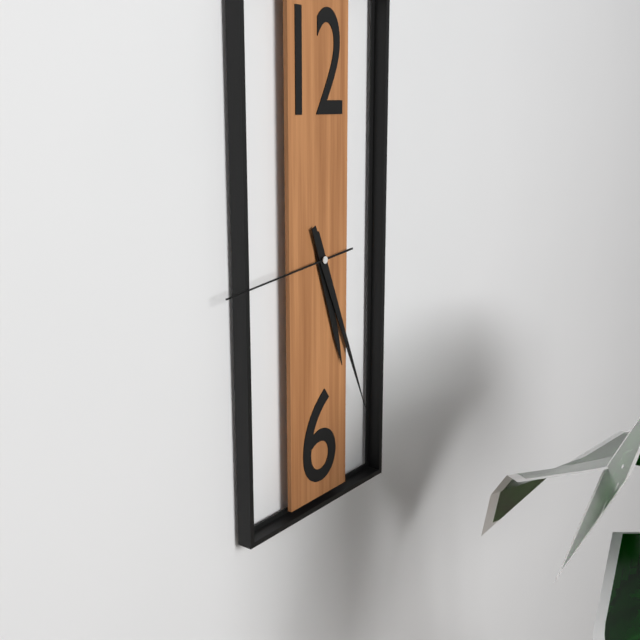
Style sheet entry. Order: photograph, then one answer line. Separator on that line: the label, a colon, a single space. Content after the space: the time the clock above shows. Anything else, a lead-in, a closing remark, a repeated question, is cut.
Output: 5:26:44
